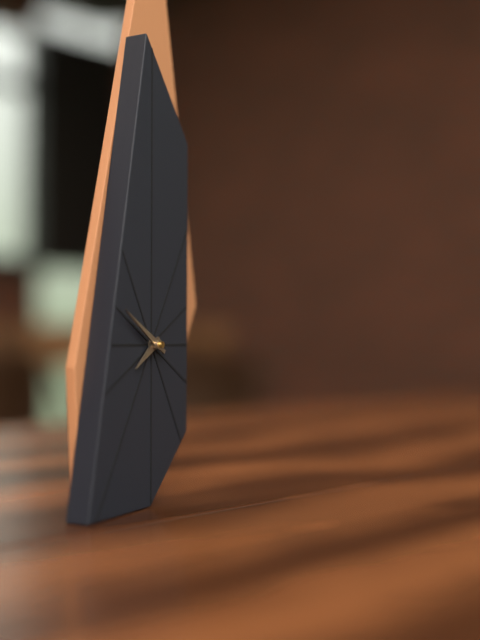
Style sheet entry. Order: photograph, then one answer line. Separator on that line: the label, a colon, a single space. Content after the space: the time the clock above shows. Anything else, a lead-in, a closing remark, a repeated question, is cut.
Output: 7:50
